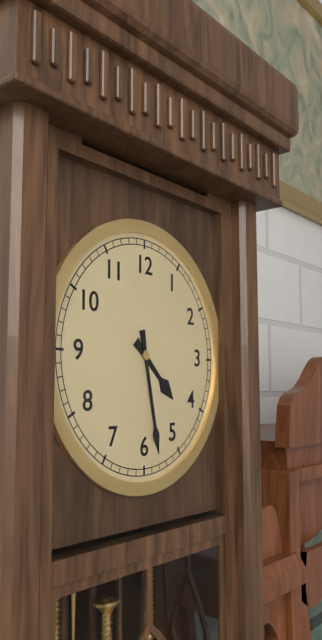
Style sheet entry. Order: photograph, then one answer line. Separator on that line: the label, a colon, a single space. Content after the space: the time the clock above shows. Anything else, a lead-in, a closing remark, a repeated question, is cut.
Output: 4:28
